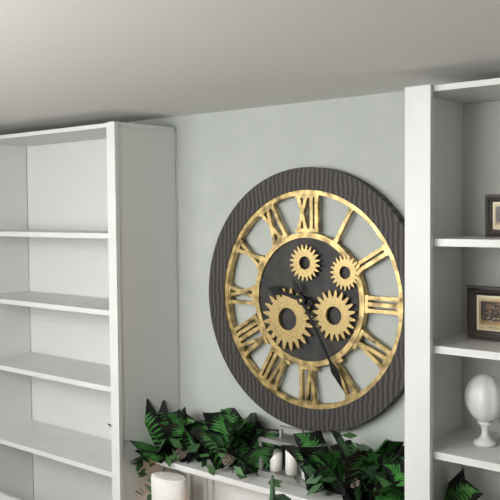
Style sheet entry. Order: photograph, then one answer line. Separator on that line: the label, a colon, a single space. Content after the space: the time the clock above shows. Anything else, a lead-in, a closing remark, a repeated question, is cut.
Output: 9:25
